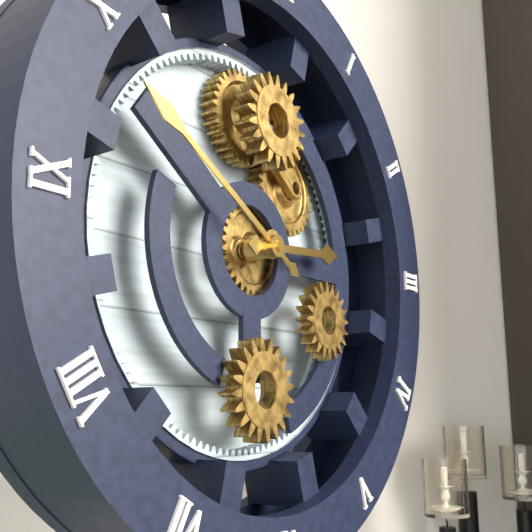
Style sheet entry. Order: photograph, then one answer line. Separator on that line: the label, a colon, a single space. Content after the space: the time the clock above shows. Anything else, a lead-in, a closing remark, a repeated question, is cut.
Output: 2:50
